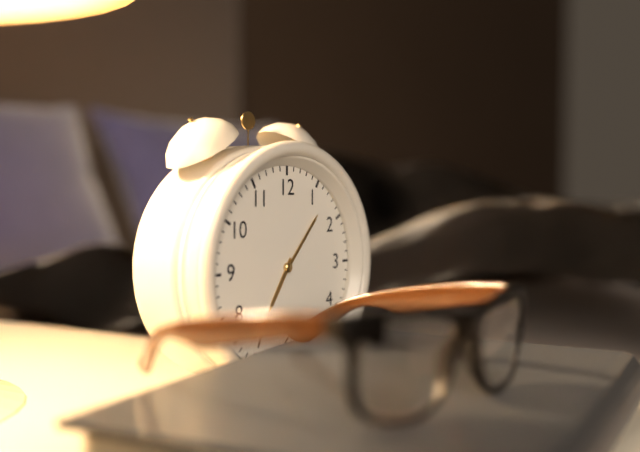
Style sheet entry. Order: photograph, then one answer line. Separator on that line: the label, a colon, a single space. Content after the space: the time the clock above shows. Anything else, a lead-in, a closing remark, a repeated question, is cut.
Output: 7:07
